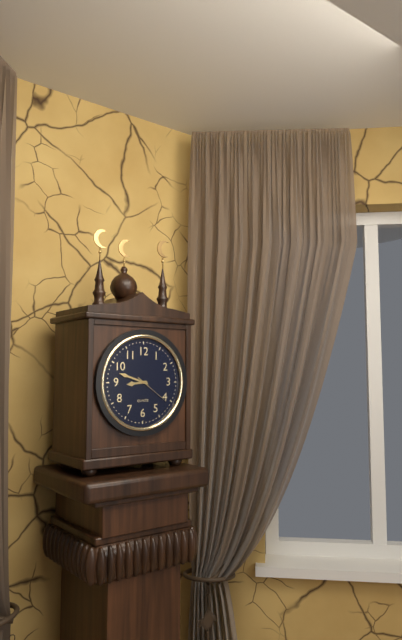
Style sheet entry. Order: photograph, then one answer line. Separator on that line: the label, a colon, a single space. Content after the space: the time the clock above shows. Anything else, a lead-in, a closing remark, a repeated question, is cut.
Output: 8:48
